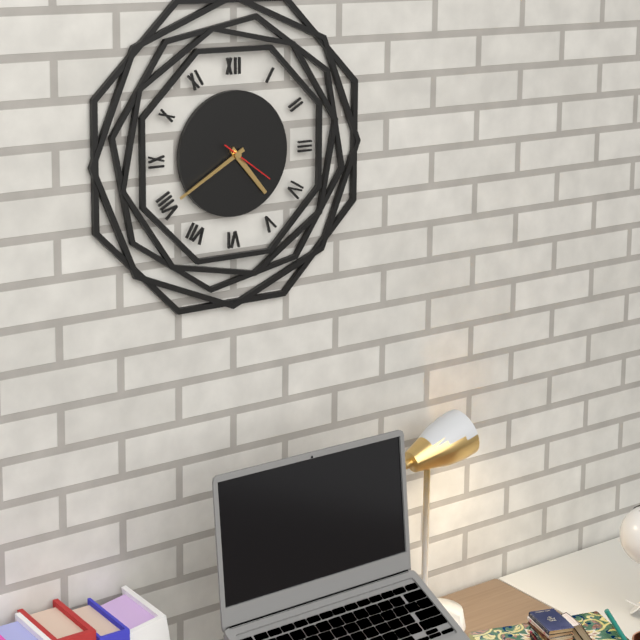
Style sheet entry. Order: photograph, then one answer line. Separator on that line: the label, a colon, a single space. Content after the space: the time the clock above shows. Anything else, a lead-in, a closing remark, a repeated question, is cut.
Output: 4:40:21
